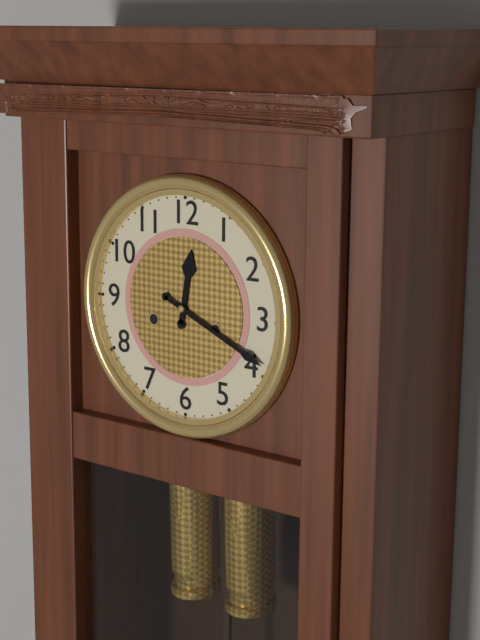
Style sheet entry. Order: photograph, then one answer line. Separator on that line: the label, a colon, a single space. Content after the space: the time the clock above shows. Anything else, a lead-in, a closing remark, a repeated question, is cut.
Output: 12:19
